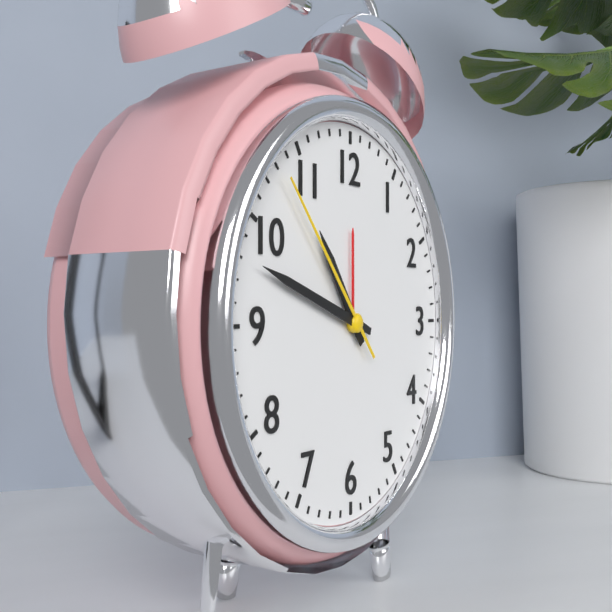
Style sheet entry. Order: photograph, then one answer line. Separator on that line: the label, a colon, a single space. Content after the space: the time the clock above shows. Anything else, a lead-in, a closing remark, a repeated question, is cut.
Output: 10:48:53
